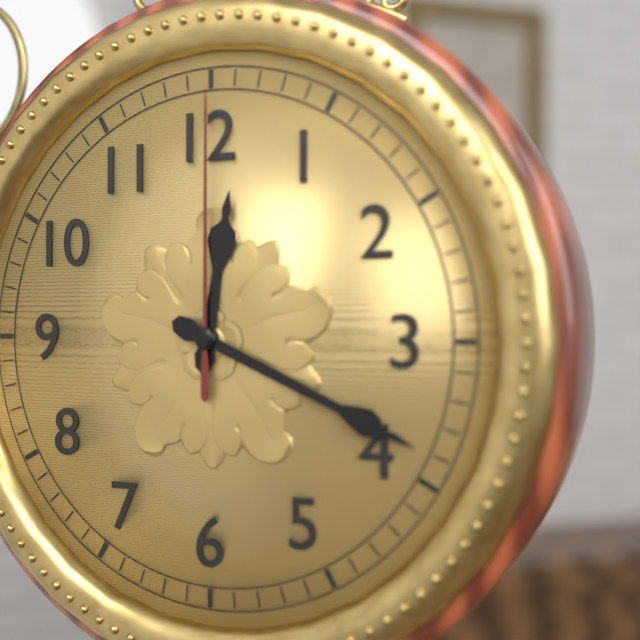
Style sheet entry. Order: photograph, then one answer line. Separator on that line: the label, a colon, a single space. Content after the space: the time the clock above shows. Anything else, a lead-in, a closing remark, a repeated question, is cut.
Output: 12:19:00
